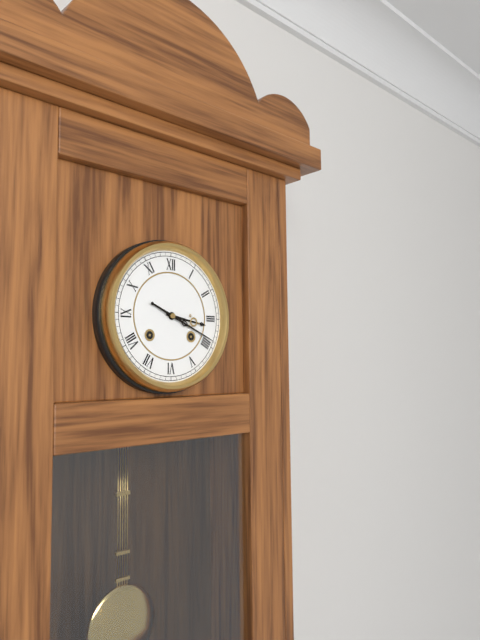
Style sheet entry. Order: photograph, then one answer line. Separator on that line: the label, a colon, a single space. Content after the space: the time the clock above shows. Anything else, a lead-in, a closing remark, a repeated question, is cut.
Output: 3:19
